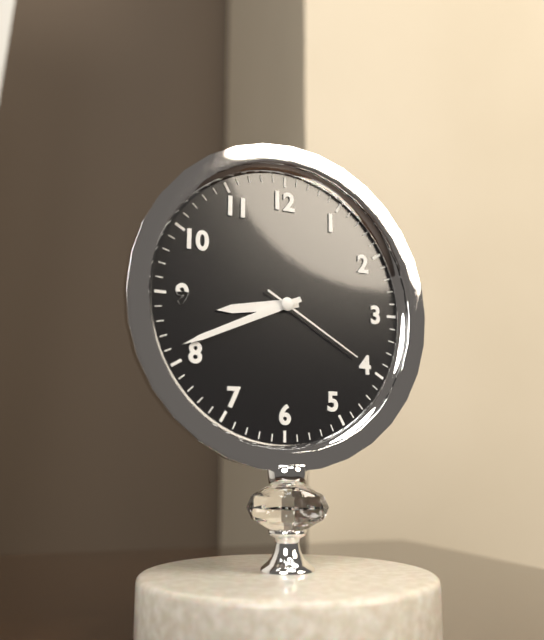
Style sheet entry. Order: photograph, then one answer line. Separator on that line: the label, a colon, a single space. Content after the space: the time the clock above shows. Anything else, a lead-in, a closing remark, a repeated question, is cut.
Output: 8:41:20
